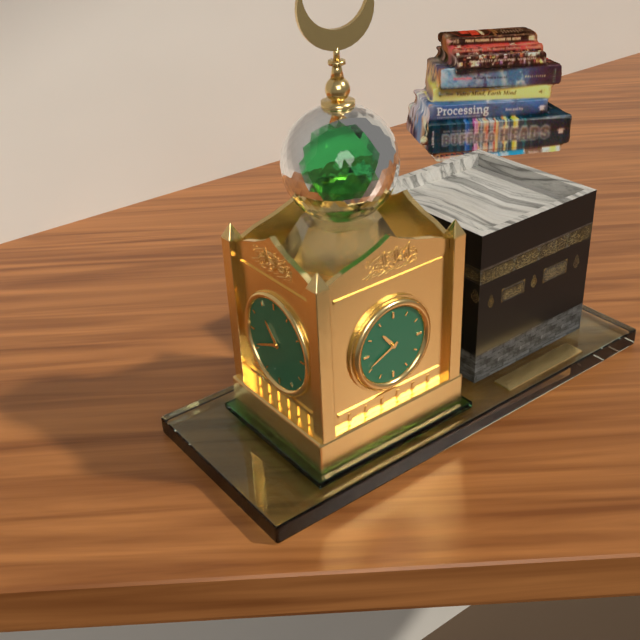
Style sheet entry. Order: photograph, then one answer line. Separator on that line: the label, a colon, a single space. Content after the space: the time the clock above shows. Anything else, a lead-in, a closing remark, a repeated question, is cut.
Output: 10:41
